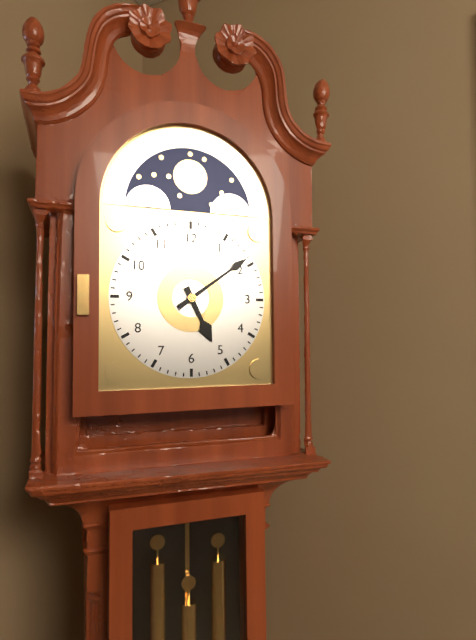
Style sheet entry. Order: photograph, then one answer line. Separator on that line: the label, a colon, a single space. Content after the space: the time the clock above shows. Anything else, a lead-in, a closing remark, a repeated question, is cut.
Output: 5:09
